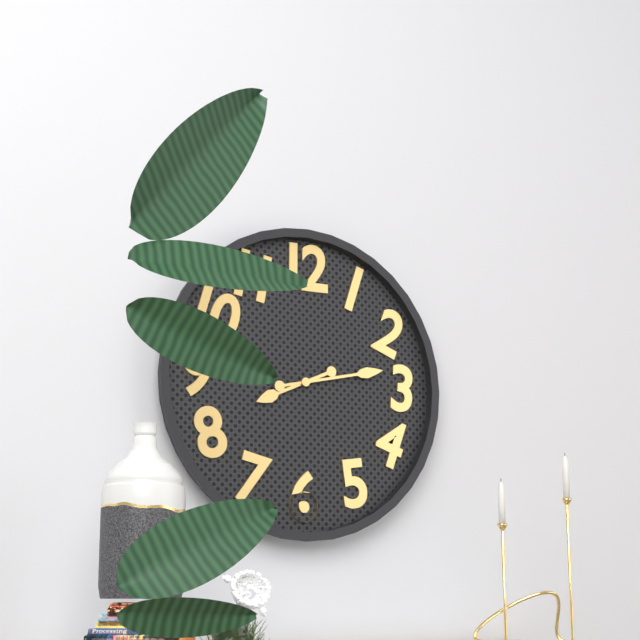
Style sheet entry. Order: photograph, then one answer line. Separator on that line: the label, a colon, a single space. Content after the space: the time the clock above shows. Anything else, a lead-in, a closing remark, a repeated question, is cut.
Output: 8:13
